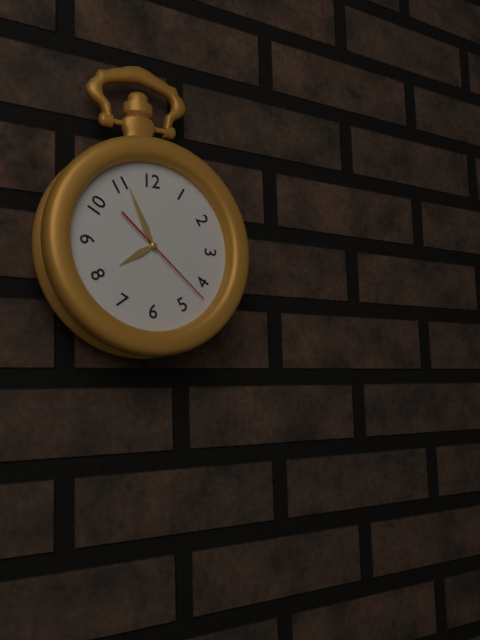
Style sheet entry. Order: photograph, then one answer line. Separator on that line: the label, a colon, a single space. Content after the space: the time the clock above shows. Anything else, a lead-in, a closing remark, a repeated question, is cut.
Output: 7:56:22
